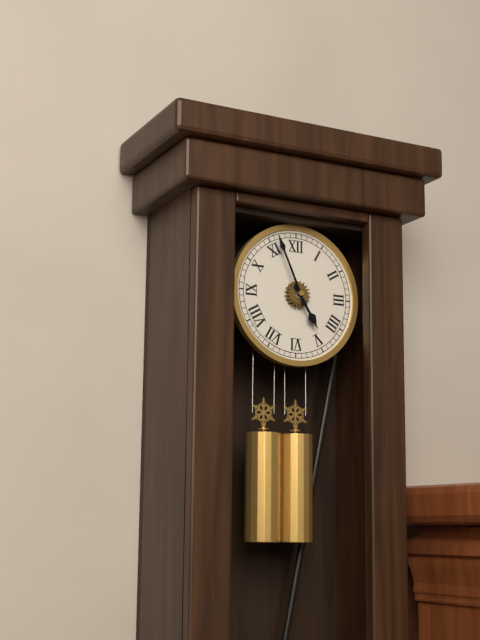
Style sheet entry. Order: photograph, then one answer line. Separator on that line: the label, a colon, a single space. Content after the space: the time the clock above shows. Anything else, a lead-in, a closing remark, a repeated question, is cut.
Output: 4:56
